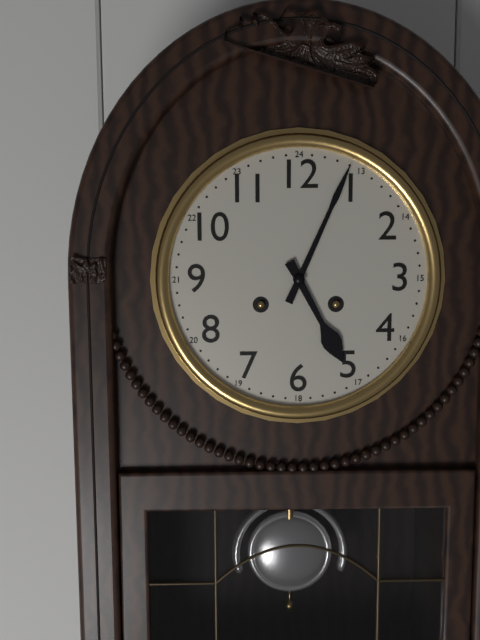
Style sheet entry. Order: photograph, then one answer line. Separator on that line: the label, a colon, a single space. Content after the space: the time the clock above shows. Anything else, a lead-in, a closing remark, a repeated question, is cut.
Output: 5:04
